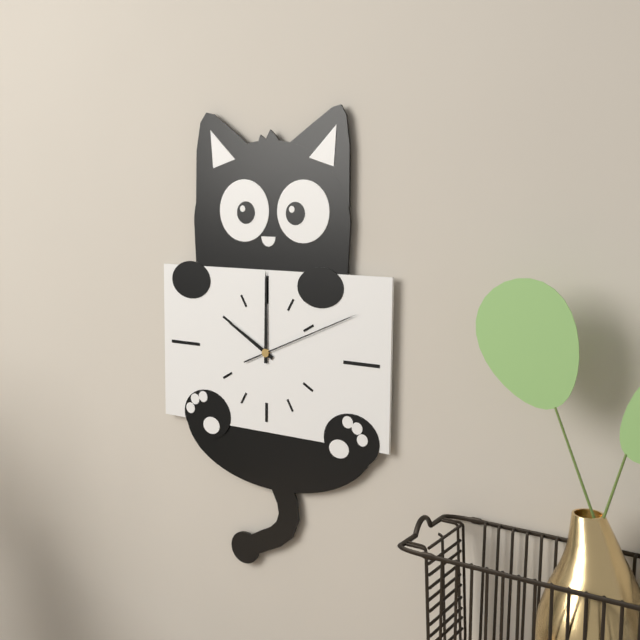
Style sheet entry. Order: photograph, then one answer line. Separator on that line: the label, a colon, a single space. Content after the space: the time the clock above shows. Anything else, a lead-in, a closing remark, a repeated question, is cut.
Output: 10:00:11
